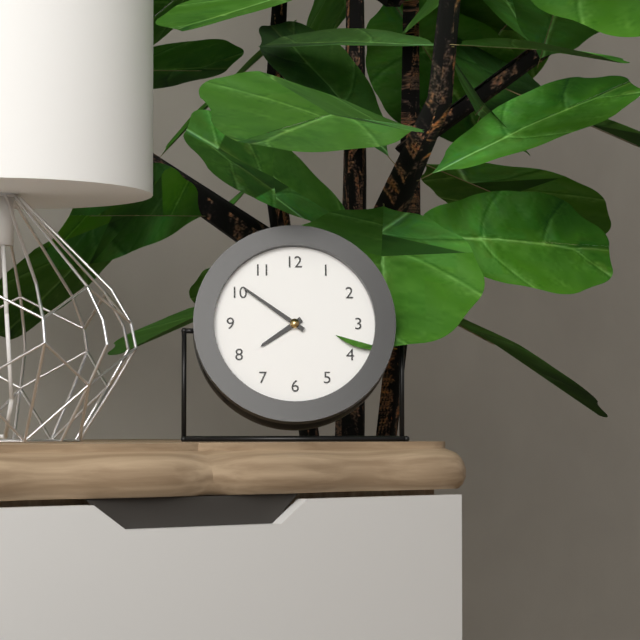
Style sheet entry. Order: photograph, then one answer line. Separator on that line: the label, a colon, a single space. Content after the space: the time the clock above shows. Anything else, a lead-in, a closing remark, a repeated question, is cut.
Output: 7:51
